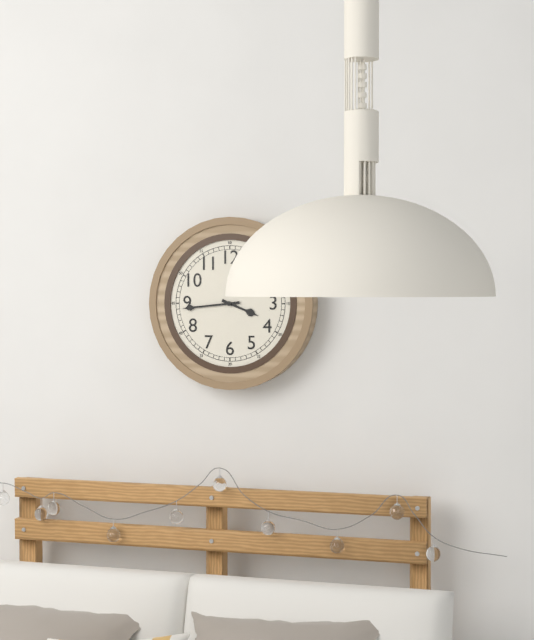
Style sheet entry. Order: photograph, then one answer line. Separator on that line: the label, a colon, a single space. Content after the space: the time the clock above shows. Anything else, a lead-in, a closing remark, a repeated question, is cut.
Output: 3:44
